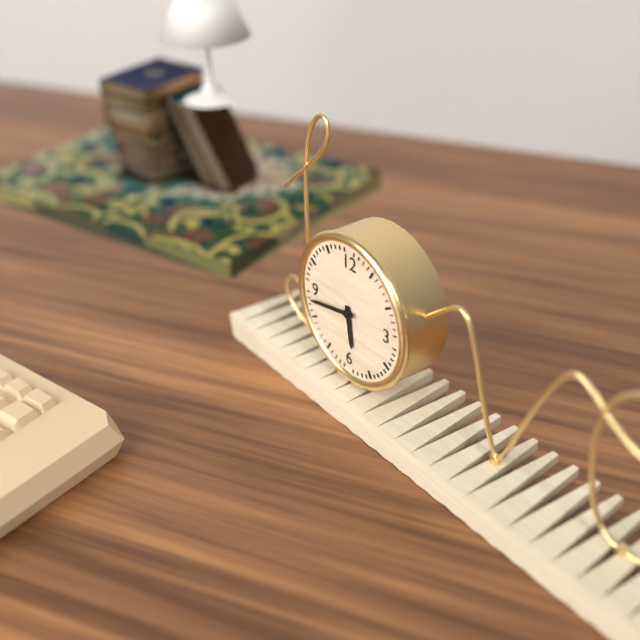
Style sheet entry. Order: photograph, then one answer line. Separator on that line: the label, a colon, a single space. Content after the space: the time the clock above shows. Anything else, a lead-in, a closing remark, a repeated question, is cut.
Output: 5:43
